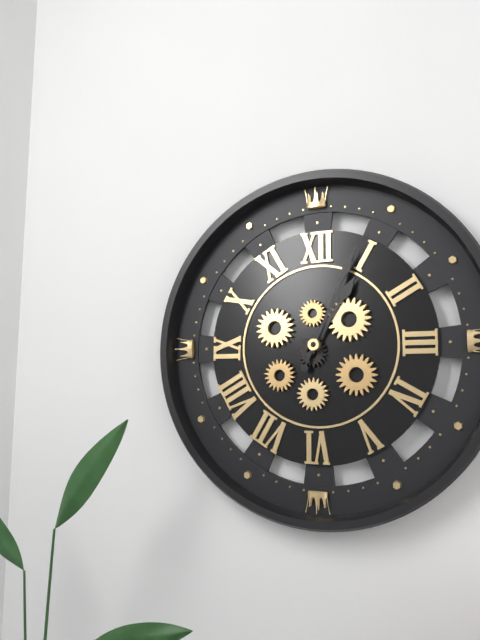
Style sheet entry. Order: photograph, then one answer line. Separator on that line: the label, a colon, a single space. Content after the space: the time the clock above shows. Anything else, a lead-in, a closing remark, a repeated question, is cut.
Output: 1:04
